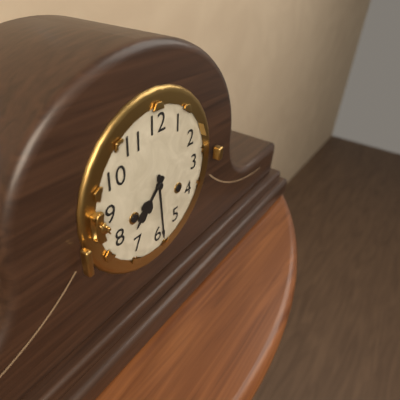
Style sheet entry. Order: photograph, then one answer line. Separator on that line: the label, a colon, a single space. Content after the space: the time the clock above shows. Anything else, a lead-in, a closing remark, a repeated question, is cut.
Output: 7:29
